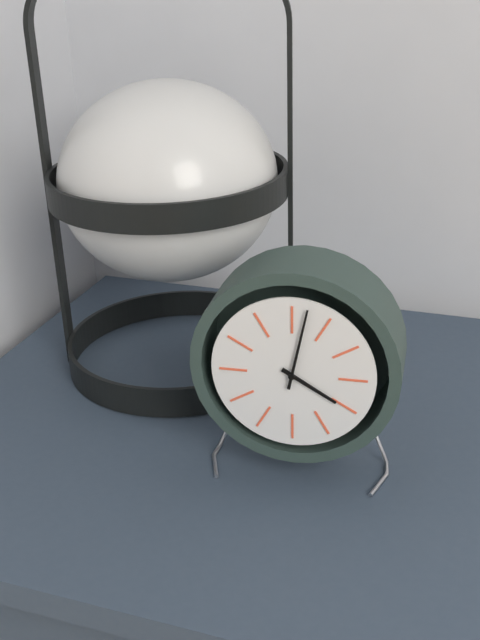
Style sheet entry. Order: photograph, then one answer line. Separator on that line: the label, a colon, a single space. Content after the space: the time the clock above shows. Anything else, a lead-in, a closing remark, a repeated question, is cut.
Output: 4:02
